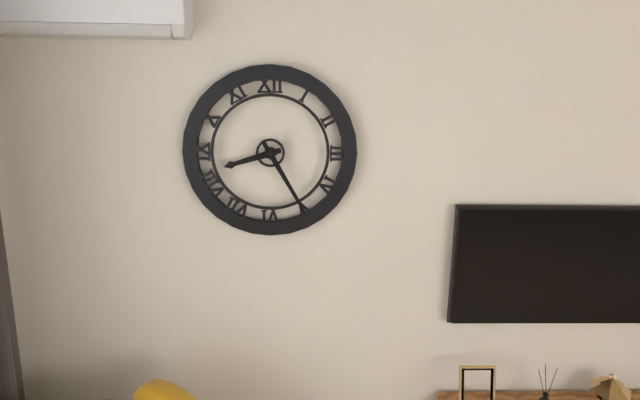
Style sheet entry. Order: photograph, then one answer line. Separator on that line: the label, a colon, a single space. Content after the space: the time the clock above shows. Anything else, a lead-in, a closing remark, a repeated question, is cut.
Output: 8:25
